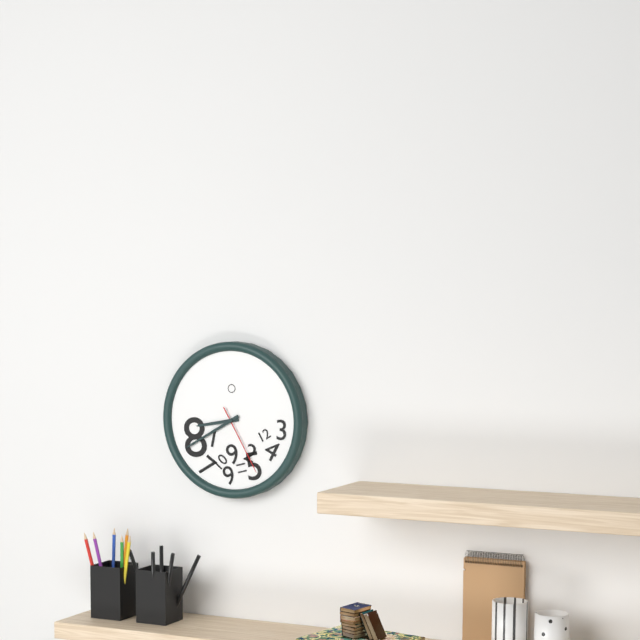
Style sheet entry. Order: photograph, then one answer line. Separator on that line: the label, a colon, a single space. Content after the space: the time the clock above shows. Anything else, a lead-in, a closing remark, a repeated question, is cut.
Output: 8:40:25
